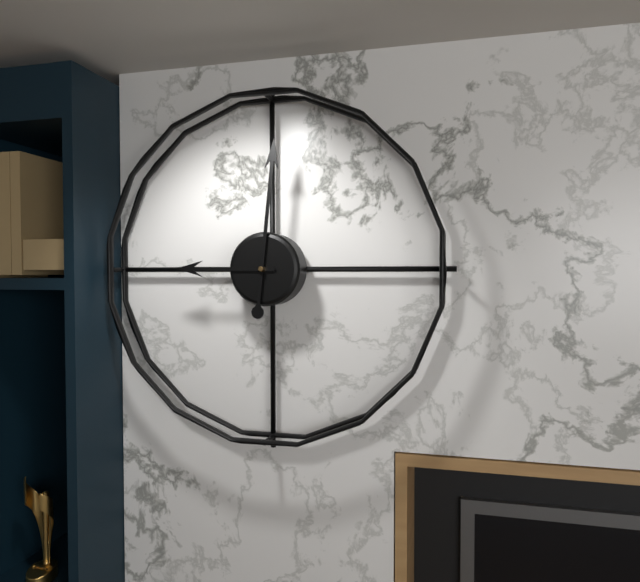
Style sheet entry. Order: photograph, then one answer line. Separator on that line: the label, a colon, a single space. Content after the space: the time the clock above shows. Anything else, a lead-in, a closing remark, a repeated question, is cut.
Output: 9:01
